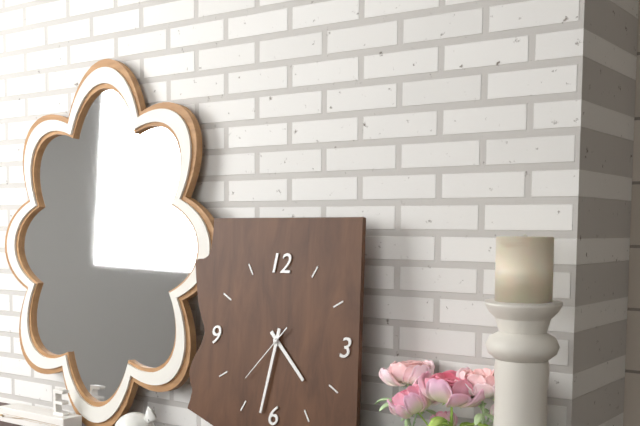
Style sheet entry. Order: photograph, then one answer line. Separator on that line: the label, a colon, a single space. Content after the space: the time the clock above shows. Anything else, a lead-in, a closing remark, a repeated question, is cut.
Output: 4:32:37
